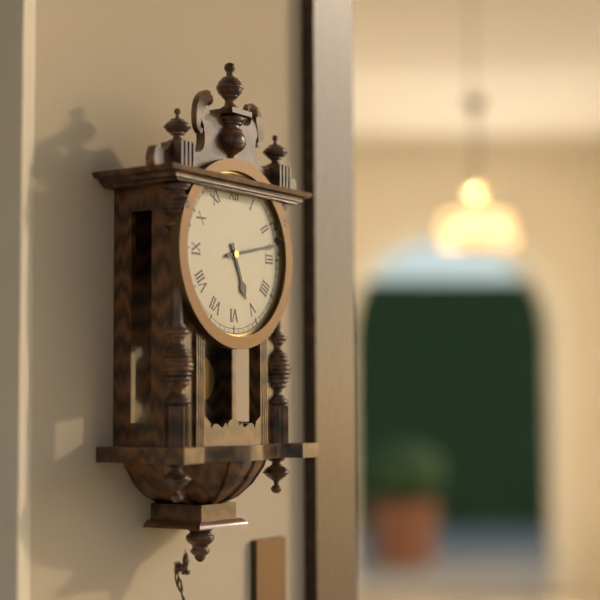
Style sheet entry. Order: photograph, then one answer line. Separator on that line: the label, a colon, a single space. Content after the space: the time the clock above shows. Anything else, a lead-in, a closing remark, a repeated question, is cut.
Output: 5:13
